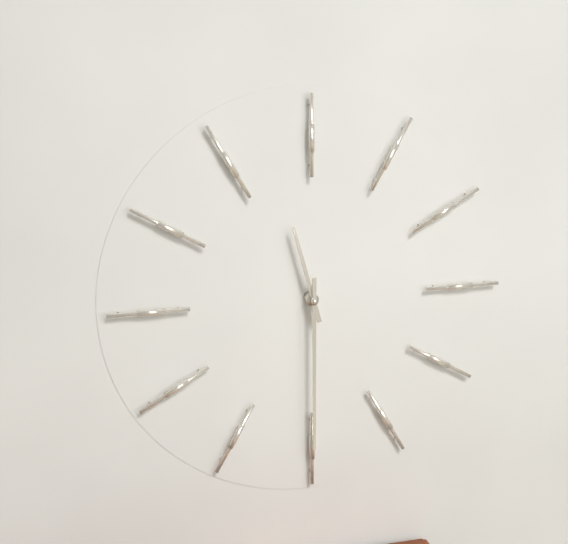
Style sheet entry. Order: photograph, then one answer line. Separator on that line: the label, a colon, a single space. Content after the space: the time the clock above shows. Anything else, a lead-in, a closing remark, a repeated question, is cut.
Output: 11:30
